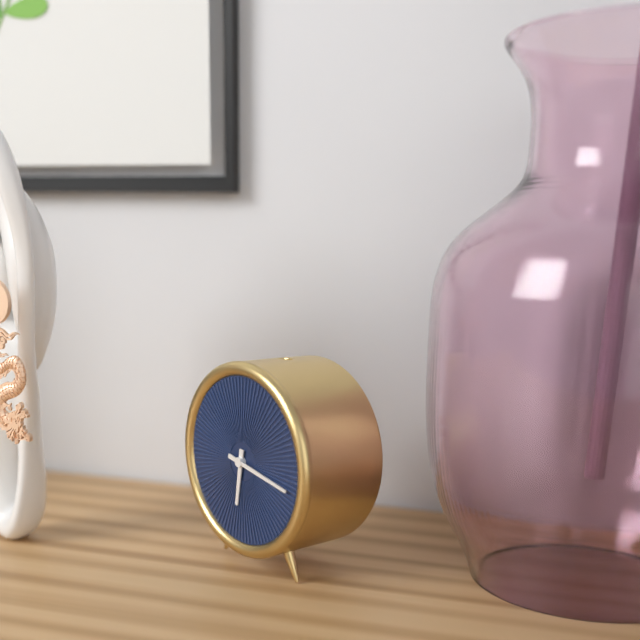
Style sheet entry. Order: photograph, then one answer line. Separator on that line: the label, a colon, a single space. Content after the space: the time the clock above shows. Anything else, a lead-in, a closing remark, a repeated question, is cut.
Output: 6:17
